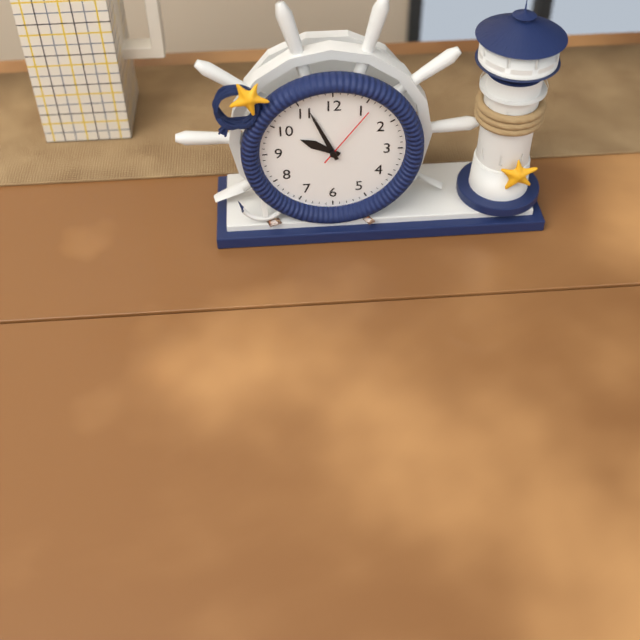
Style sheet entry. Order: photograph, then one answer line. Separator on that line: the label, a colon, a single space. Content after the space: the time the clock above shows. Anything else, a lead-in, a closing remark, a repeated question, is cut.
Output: 9:56:06
